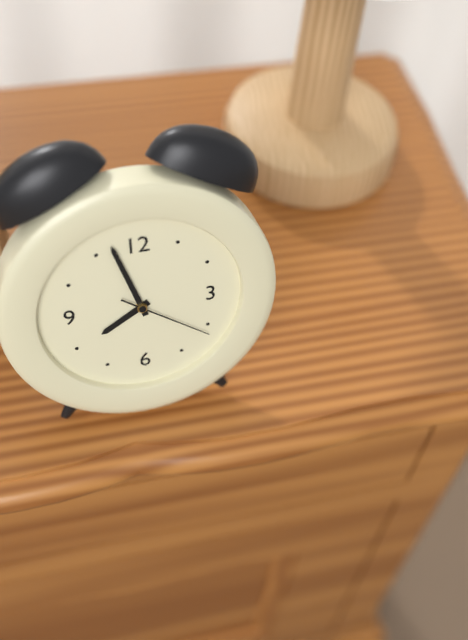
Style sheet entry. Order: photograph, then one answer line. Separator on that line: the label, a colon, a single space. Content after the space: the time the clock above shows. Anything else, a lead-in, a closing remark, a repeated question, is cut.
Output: 7:57:21
